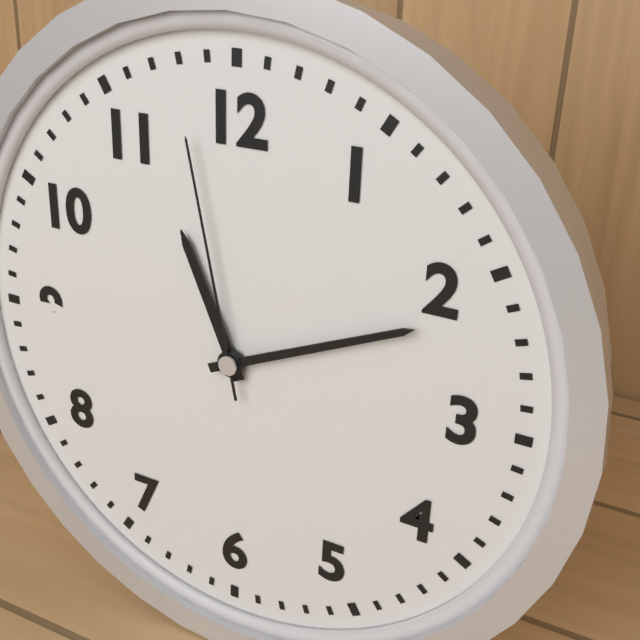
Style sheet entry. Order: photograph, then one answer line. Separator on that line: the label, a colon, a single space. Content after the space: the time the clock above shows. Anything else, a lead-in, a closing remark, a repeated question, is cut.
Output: 11:11:58
